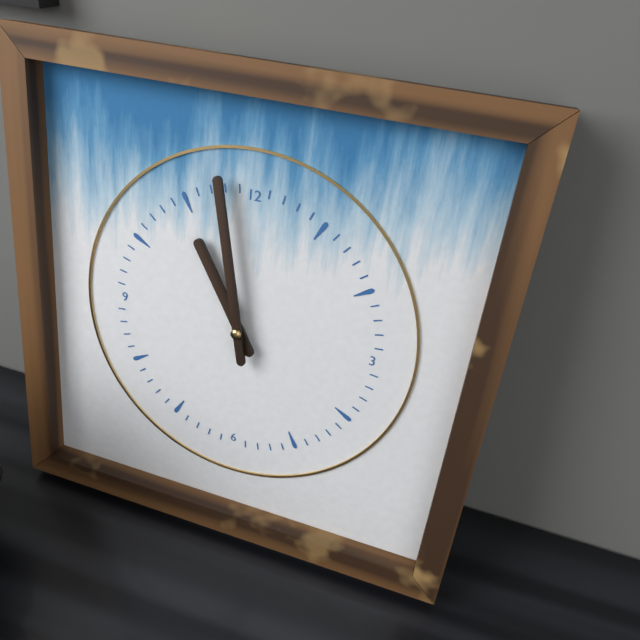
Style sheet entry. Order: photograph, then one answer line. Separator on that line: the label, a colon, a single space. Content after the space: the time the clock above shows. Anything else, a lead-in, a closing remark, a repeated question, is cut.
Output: 10:58
